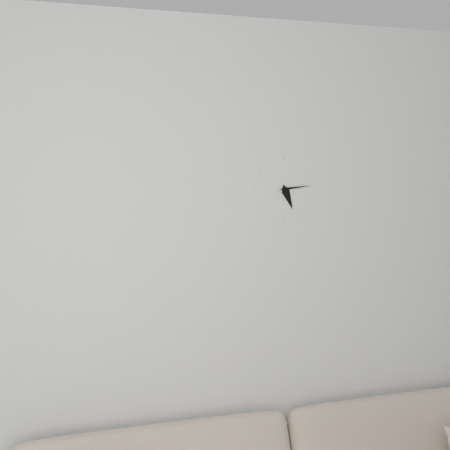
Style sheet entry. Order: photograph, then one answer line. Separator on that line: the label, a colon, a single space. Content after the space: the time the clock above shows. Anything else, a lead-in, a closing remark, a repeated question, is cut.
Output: 5:14
